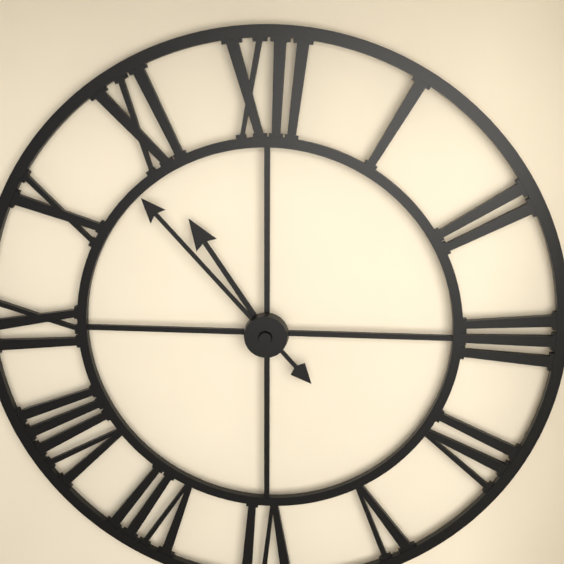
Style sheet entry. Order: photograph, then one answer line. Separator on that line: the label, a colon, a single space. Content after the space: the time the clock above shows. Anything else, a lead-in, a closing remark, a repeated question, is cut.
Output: 10:53
